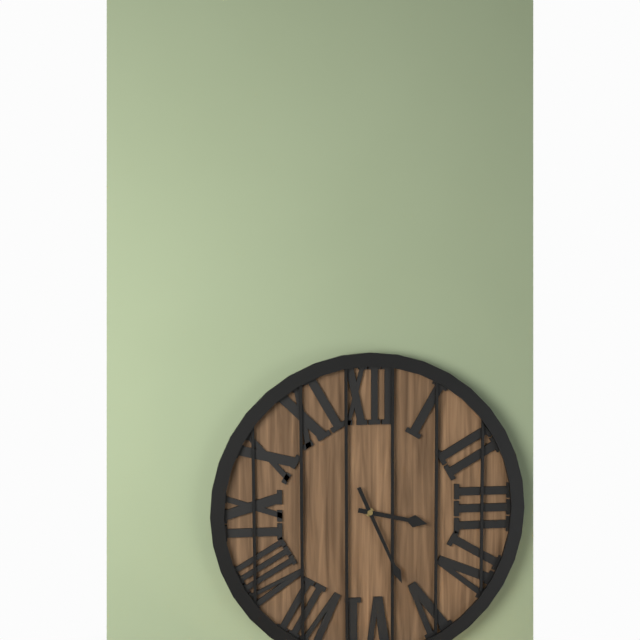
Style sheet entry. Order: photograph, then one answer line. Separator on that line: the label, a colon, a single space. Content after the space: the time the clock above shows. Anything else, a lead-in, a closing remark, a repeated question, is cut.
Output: 3:26
